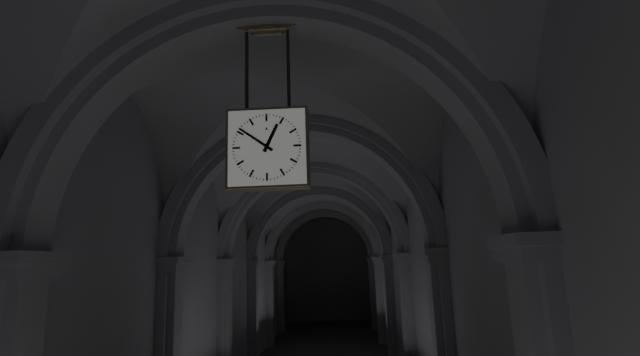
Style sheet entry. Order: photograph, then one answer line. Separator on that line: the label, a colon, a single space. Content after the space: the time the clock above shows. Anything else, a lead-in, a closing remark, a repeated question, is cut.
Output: 12:51
